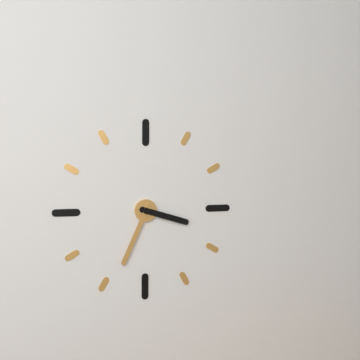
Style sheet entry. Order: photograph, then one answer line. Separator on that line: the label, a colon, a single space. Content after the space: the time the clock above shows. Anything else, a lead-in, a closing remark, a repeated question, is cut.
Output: 3:34
